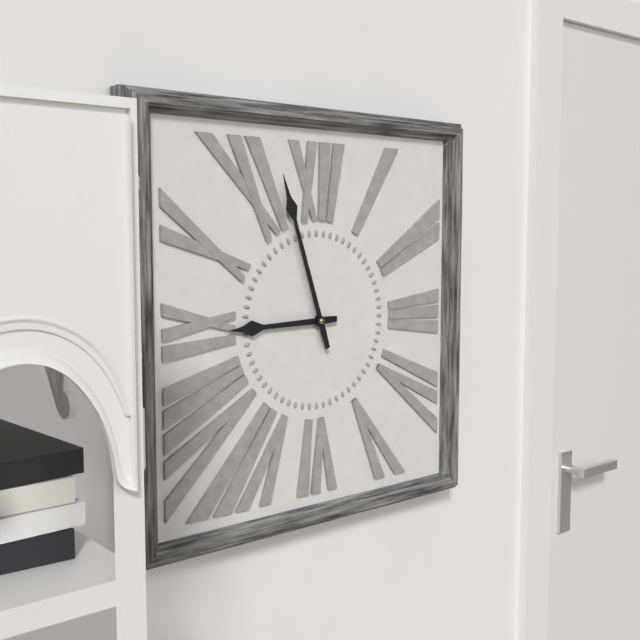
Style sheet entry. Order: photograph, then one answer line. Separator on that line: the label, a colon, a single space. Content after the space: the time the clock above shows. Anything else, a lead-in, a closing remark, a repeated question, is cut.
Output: 8:57
